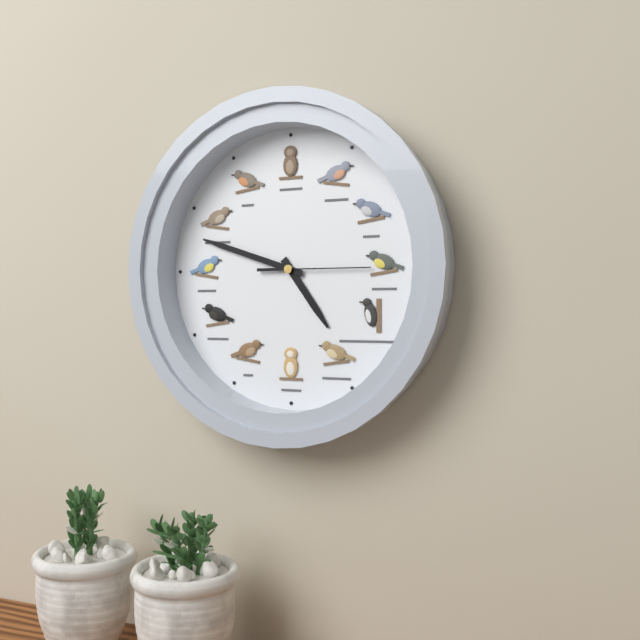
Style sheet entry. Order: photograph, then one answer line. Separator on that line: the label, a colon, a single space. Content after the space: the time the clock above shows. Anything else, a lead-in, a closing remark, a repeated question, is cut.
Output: 4:48:15
